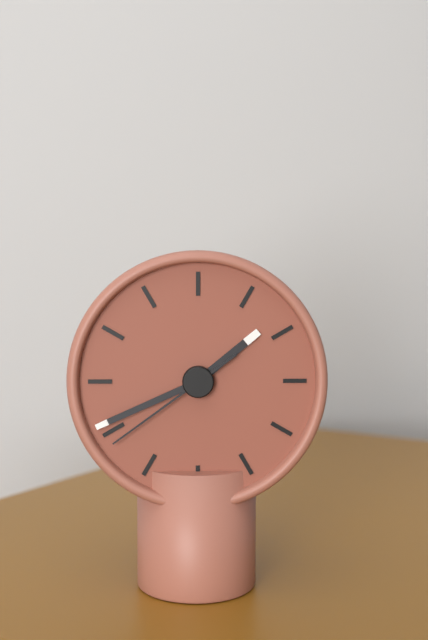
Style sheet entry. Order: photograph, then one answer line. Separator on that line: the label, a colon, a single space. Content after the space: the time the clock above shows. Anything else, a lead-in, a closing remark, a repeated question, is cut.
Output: 1:41:39
